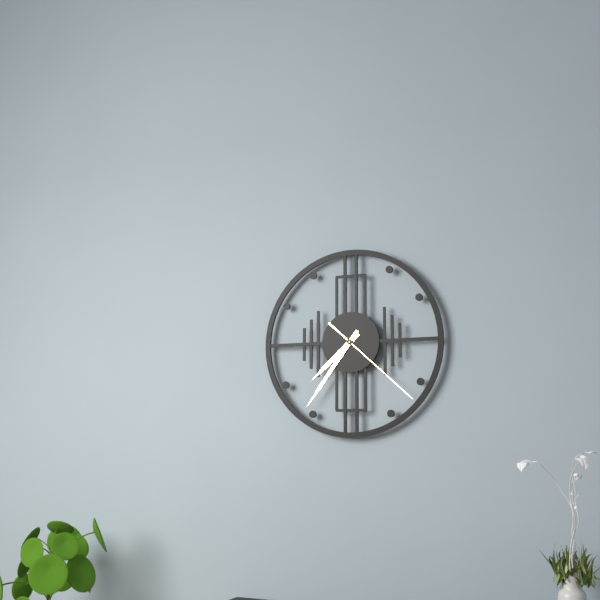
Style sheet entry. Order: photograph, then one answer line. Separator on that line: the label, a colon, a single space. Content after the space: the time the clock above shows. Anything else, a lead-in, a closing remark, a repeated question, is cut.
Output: 7:36:22
